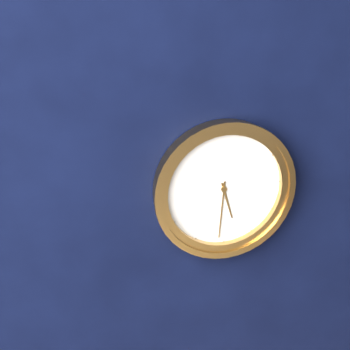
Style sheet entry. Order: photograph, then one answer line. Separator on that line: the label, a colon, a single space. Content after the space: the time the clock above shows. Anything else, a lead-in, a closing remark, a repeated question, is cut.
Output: 5:31
